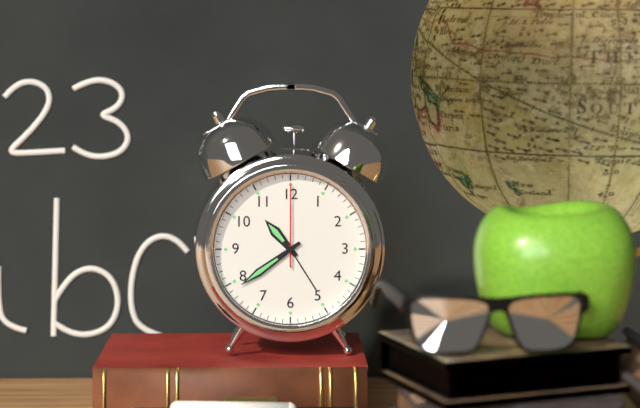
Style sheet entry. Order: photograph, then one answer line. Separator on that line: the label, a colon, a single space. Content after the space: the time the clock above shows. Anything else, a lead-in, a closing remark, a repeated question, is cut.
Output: 10:39:00
